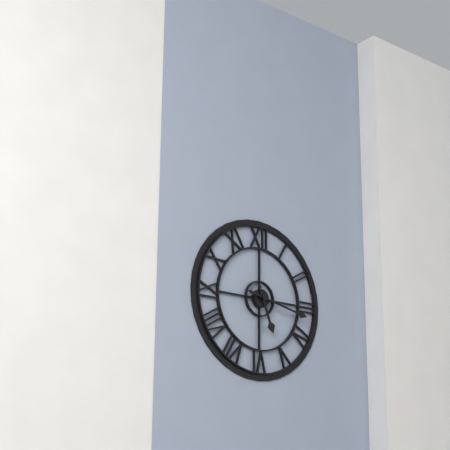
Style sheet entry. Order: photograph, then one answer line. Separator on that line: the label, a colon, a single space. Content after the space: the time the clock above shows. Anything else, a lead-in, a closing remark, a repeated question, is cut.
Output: 5:17
